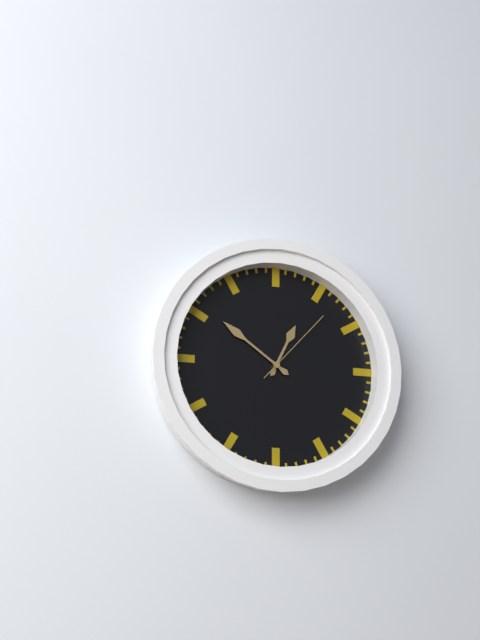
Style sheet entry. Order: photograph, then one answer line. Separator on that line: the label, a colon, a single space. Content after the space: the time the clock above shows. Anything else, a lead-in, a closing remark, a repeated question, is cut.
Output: 12:51:07
